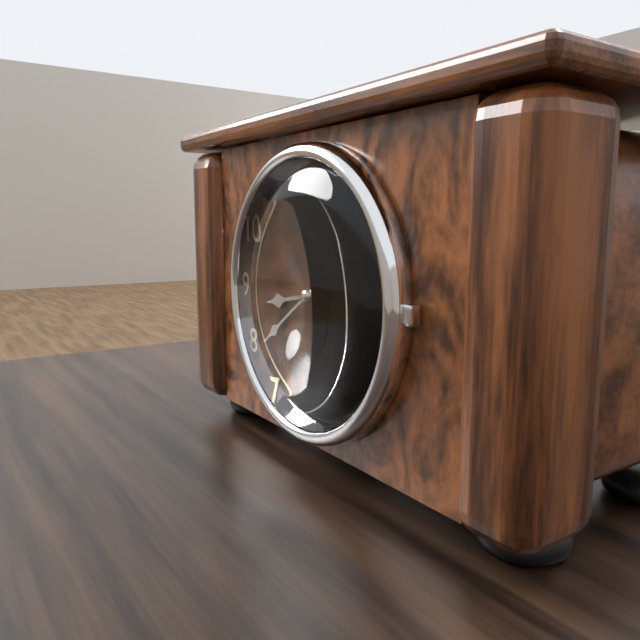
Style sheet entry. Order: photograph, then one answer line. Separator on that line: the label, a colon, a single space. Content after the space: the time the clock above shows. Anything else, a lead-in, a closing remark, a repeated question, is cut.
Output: 8:39
